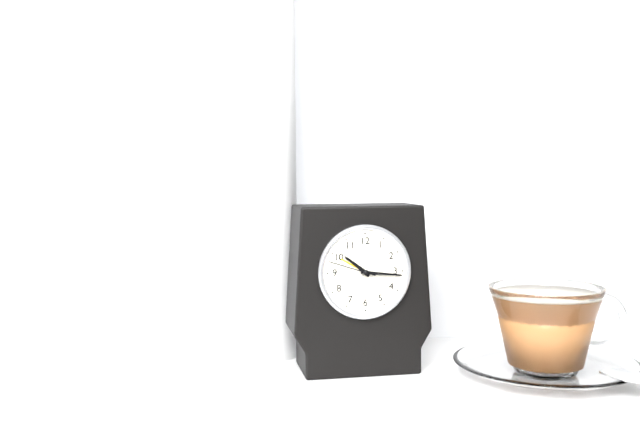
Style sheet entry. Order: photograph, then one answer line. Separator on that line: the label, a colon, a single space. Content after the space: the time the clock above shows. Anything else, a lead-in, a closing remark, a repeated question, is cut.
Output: 10:16
